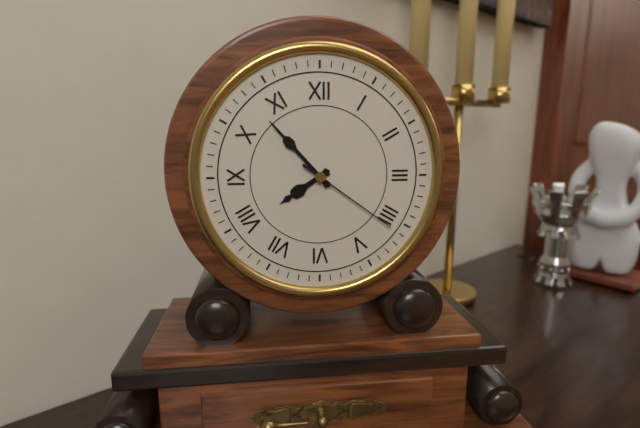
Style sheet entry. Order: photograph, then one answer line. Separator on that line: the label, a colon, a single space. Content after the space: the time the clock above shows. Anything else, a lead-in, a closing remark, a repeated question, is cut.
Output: 7:53:21
